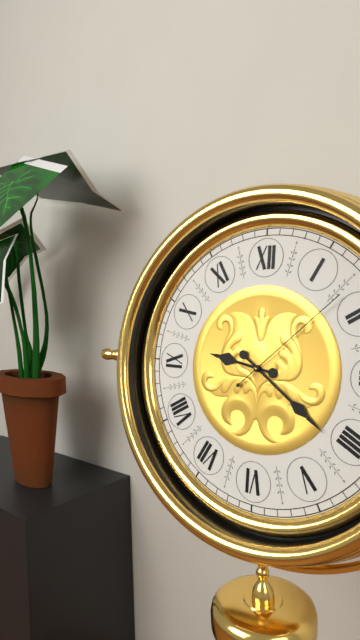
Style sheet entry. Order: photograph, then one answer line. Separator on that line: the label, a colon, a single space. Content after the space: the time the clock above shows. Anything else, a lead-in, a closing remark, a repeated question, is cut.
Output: 9:21:08
